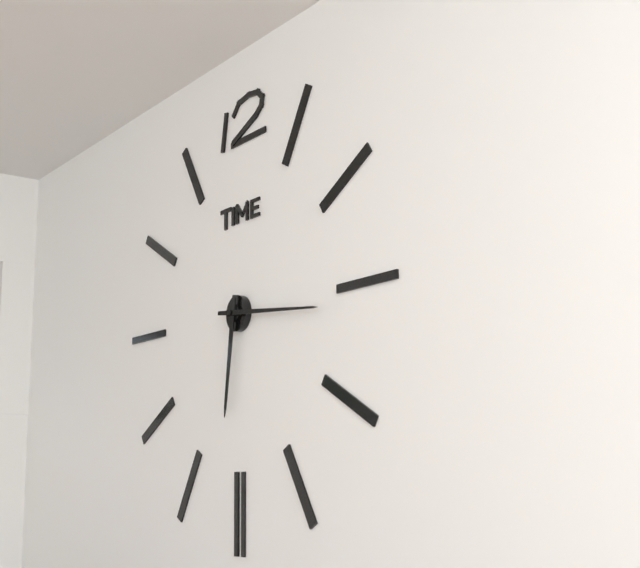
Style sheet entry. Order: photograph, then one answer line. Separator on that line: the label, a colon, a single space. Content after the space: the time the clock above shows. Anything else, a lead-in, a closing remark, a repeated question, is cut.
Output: 6:16
